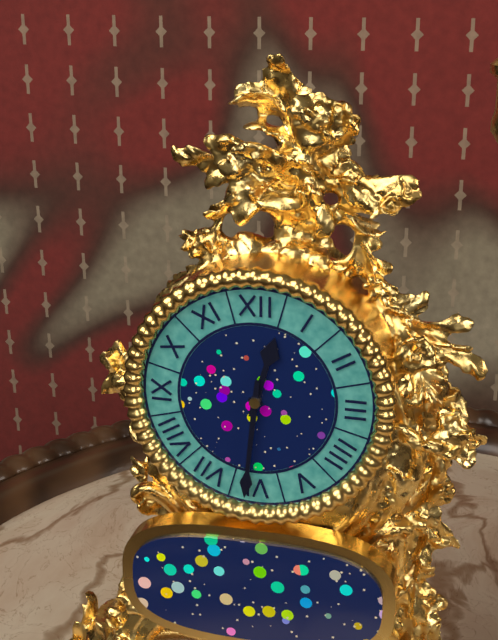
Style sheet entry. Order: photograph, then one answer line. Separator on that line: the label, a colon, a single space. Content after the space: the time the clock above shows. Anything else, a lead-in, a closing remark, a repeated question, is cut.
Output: 12:31
